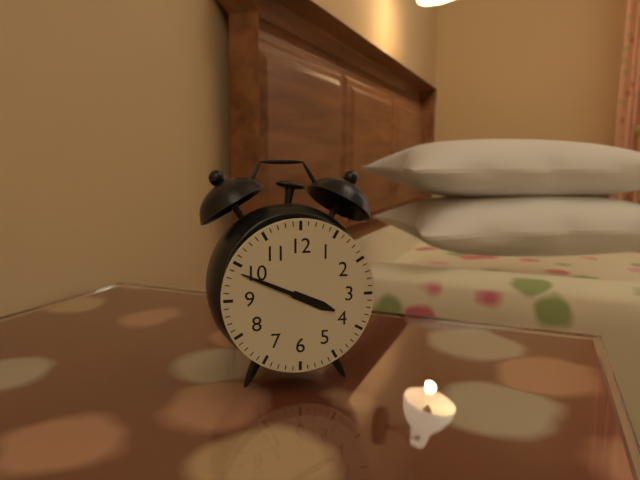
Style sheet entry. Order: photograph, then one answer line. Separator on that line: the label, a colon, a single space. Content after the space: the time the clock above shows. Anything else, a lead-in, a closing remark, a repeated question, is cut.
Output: 3:49
